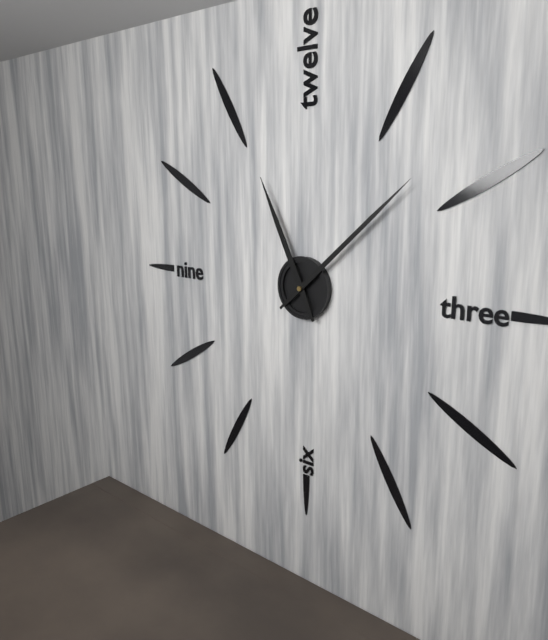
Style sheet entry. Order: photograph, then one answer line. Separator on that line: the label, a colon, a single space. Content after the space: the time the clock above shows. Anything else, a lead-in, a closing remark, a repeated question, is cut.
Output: 11:08
